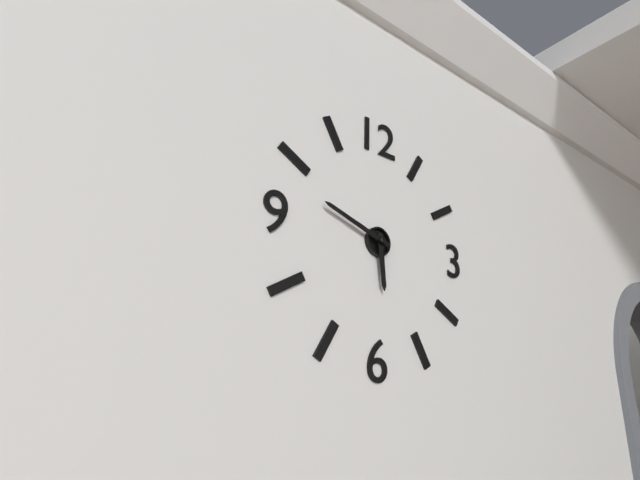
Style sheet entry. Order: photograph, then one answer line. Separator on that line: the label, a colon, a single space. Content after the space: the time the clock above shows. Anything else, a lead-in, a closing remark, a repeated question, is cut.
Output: 5:48
